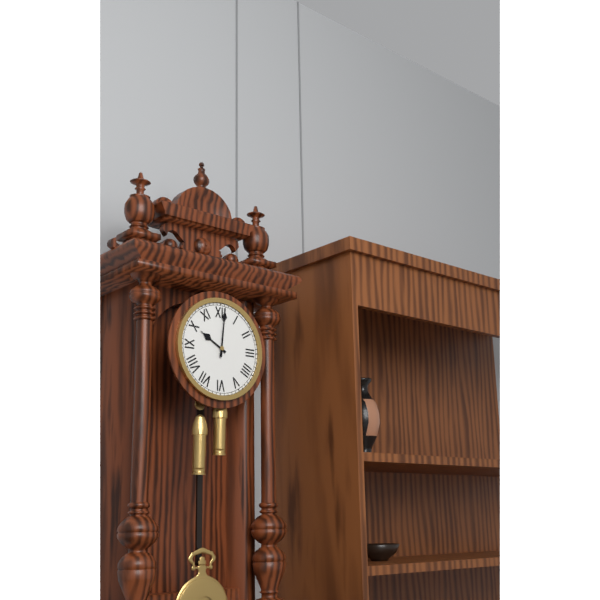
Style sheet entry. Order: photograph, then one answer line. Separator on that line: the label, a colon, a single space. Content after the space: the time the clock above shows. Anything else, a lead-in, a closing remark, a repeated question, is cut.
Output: 10:01
